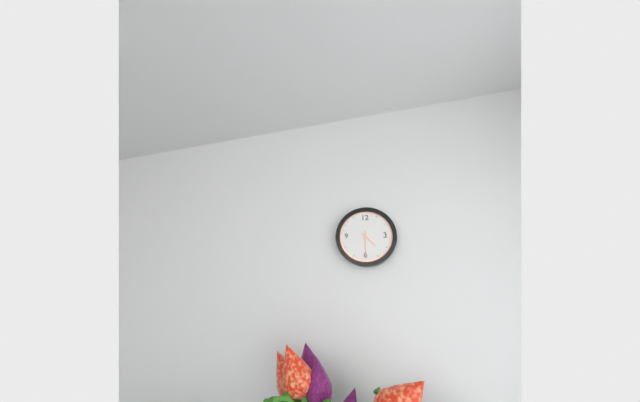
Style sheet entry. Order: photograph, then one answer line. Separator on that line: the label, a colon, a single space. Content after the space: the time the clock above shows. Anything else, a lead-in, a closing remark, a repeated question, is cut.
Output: 4:30
